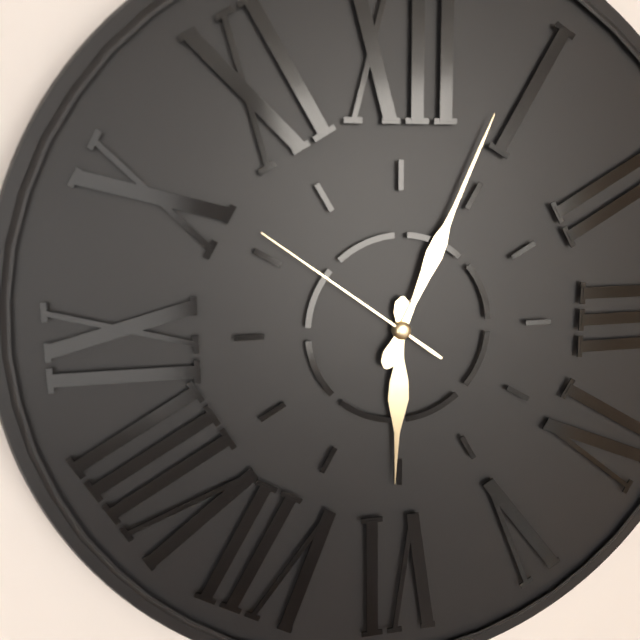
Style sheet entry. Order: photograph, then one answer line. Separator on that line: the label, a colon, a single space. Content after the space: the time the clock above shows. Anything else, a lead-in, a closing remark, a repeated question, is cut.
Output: 6:04:51
